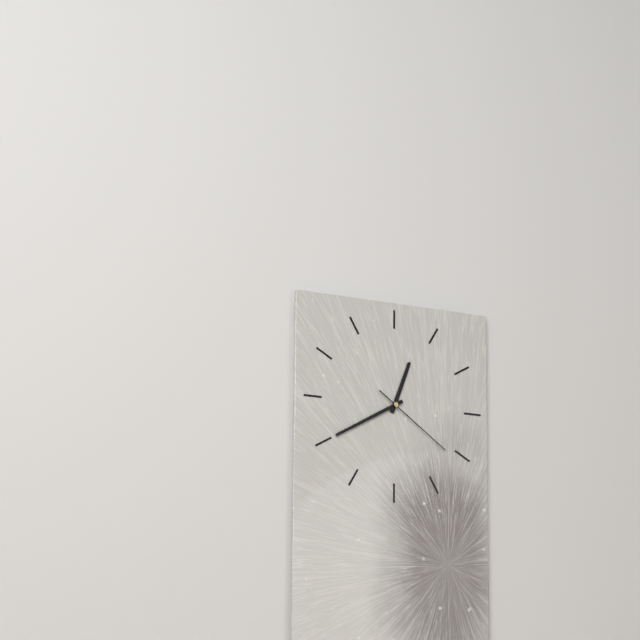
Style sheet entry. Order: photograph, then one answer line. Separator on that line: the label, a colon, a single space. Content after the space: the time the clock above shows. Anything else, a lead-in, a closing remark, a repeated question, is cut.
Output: 12:40:21
